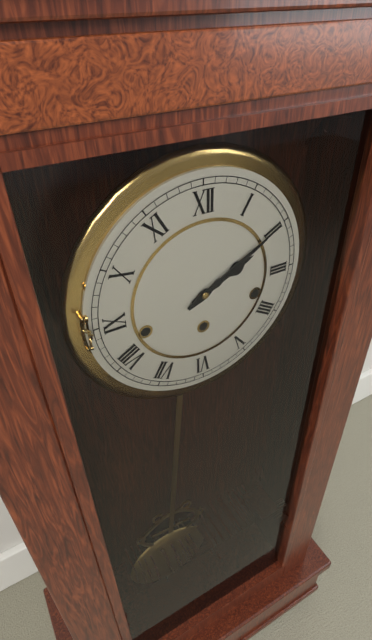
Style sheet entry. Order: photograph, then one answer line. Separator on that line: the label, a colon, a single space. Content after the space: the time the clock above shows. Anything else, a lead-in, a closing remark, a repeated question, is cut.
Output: 2:10
